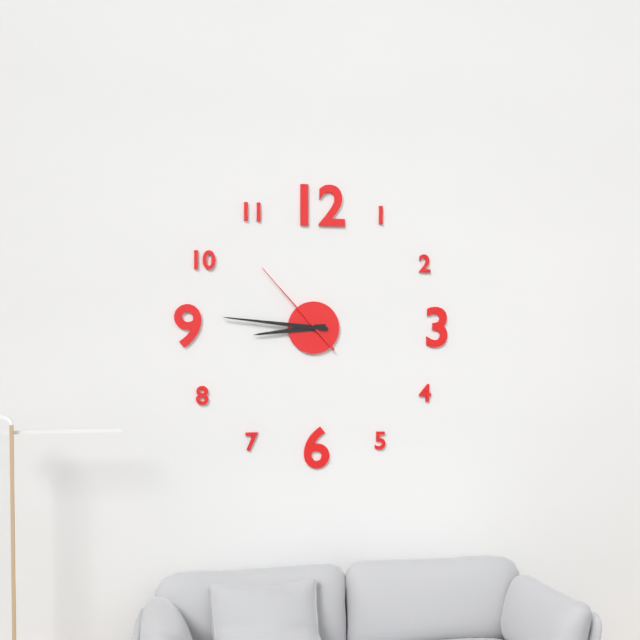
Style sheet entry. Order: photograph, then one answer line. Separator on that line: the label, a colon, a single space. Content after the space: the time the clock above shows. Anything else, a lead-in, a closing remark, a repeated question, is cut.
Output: 8:46:53
